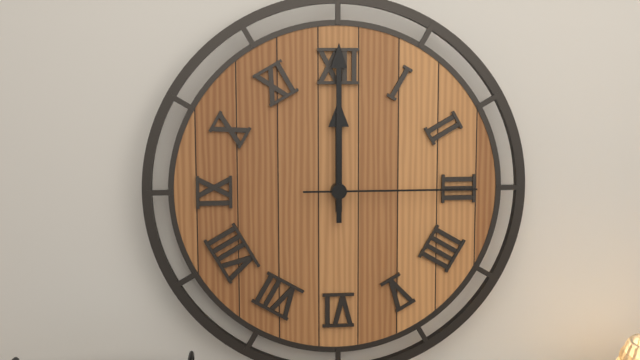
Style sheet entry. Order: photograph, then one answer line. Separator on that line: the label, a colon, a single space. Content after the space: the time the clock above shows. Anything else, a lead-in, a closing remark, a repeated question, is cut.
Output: 12:00:15
